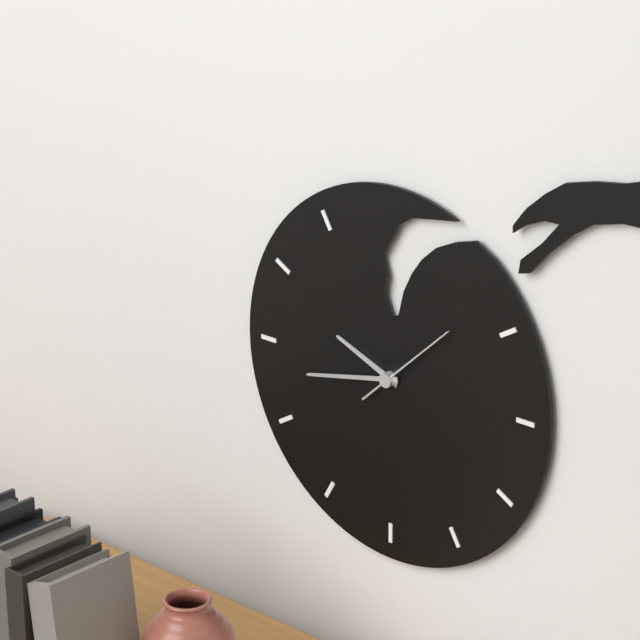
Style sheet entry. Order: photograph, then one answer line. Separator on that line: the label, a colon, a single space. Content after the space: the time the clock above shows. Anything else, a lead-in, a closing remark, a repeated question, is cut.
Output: 9:43:08
